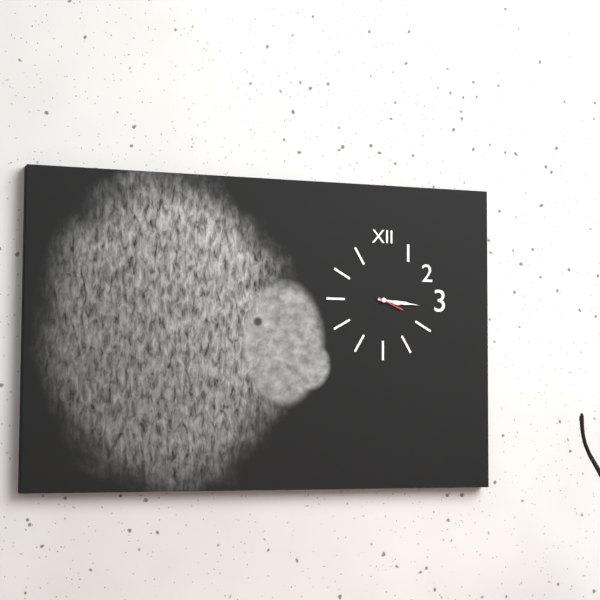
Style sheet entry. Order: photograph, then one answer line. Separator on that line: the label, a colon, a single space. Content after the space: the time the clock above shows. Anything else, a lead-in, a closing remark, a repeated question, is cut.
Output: 3:16
